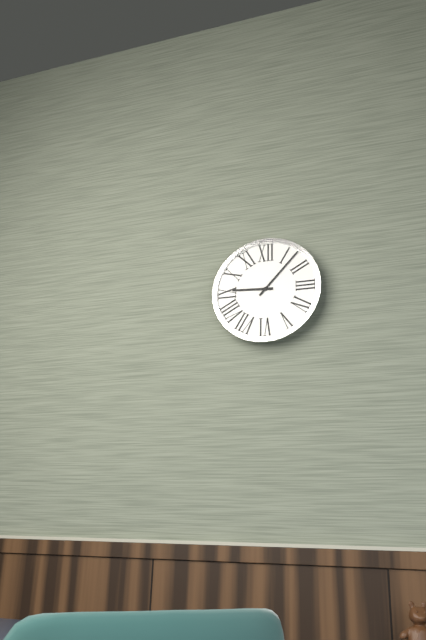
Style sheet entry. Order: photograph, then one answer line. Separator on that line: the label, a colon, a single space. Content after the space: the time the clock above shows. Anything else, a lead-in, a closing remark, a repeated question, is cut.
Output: 9:07
